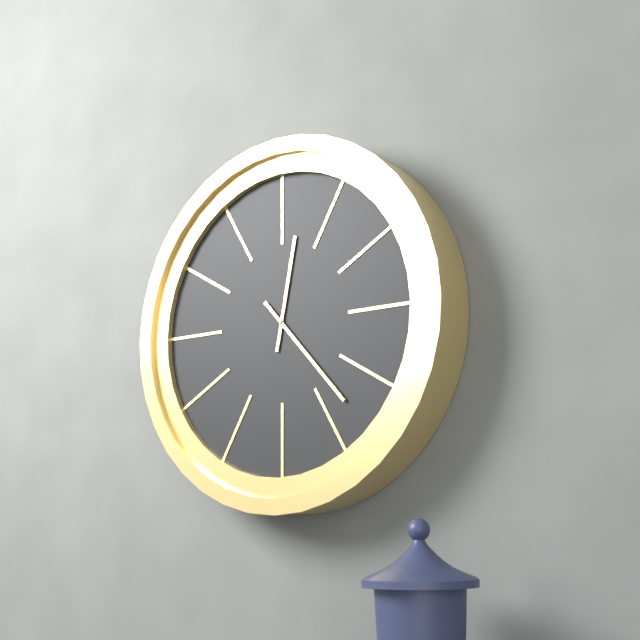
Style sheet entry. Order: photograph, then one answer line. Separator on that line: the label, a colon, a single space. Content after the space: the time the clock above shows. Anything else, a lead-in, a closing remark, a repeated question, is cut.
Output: 12:23
